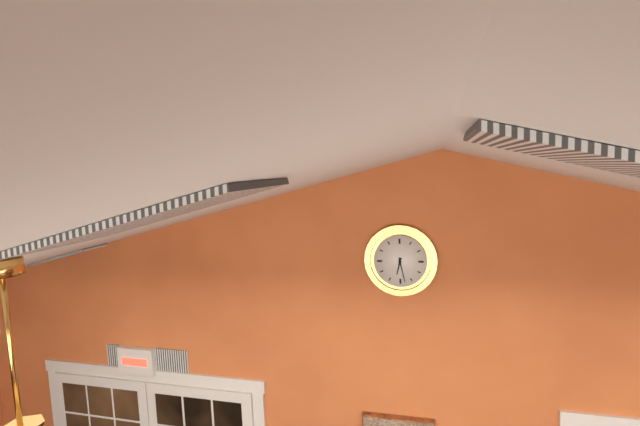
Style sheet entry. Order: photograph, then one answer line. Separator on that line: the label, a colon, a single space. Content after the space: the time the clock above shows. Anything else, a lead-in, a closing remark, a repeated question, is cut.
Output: 6:28
